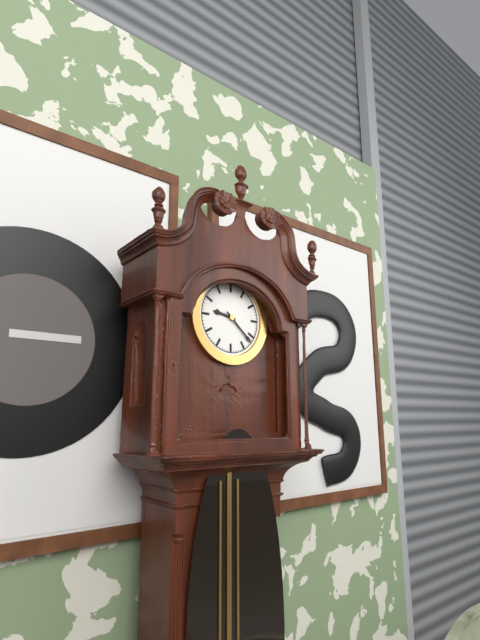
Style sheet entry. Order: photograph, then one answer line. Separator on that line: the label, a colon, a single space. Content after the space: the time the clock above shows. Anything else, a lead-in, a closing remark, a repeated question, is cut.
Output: 9:22
